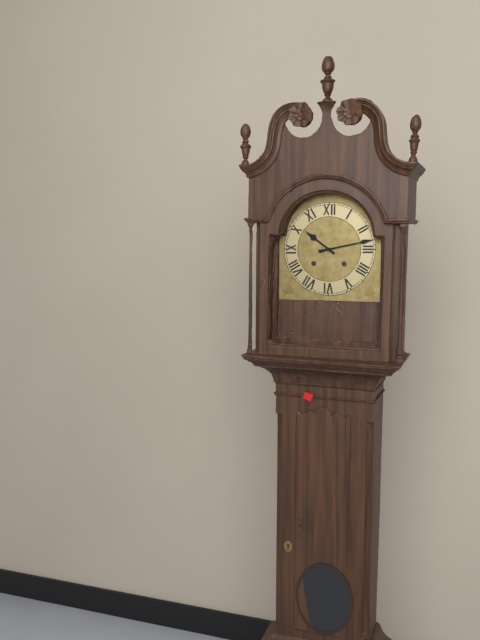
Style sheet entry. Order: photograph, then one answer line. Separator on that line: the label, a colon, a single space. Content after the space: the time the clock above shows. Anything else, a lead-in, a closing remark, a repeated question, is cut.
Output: 10:13
